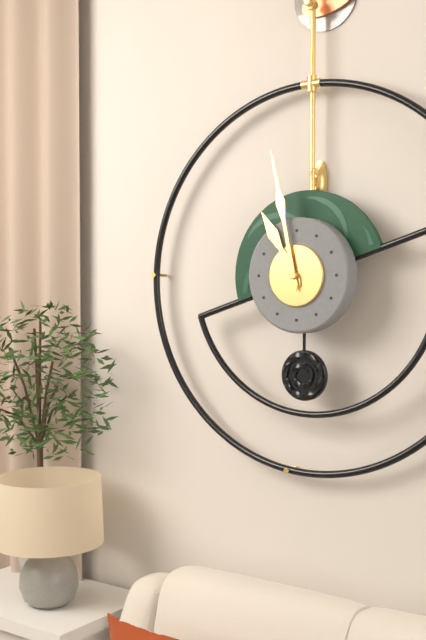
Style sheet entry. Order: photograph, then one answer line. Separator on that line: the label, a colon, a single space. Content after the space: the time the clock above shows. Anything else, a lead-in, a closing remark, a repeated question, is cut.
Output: 10:58
